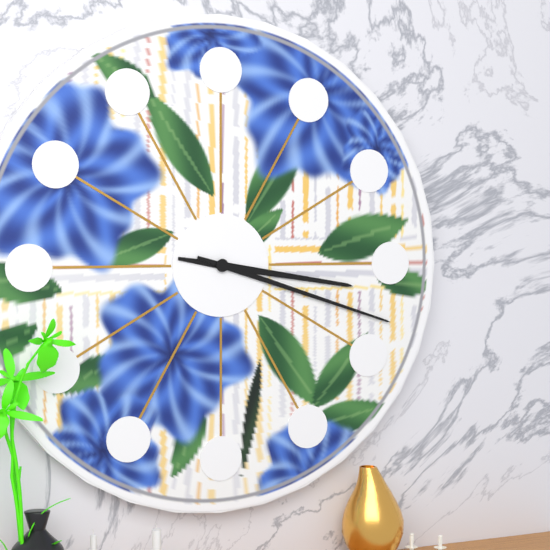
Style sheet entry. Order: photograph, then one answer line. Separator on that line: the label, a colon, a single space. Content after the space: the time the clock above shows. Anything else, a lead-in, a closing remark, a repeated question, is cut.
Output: 3:18
